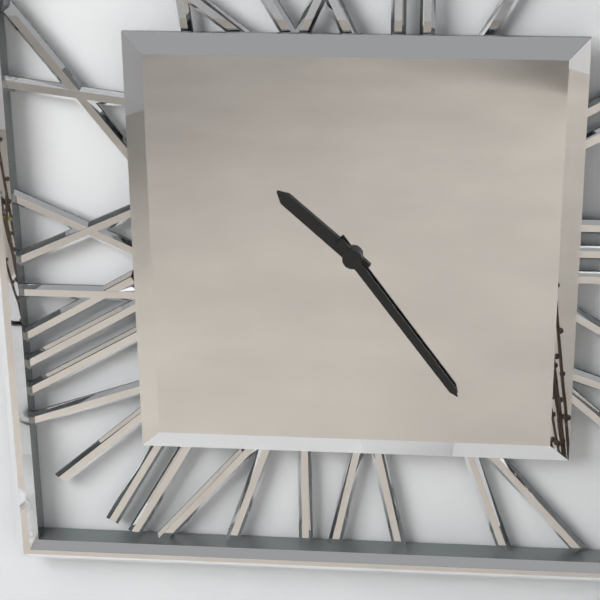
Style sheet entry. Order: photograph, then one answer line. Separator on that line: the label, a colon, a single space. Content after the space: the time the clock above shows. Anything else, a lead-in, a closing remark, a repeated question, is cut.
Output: 10:24
